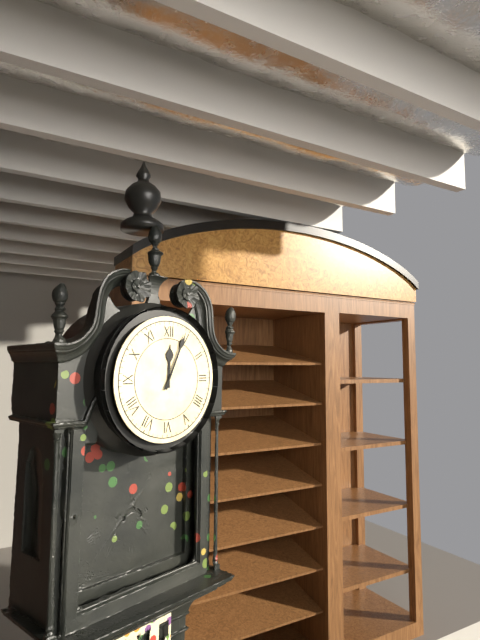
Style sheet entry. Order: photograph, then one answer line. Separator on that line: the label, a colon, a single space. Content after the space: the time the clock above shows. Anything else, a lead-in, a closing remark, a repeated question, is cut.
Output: 12:04
